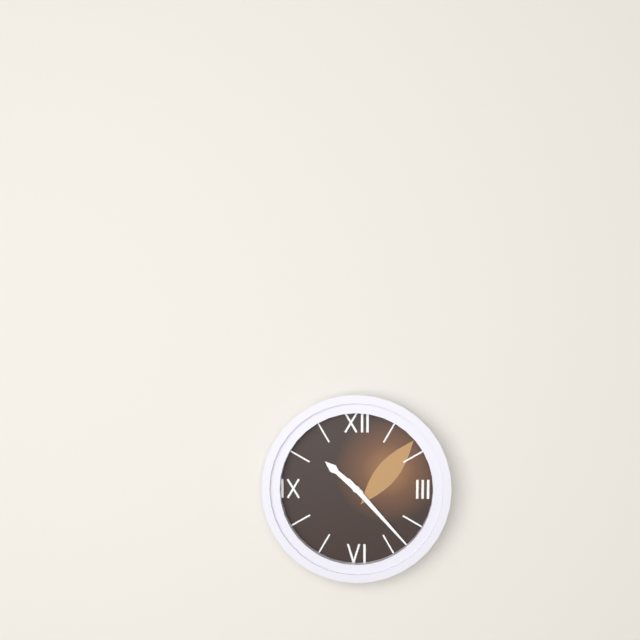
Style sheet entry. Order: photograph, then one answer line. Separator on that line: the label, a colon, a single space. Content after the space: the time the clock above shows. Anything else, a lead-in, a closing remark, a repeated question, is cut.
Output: 10:23
